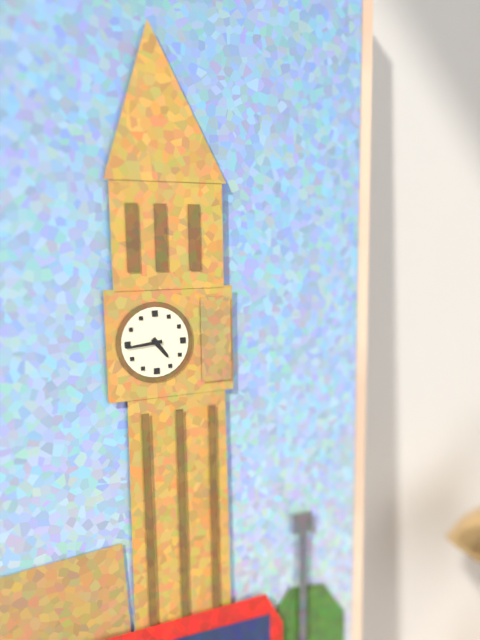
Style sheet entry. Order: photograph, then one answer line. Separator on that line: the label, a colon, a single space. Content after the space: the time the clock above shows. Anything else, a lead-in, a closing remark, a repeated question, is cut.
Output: 4:44
